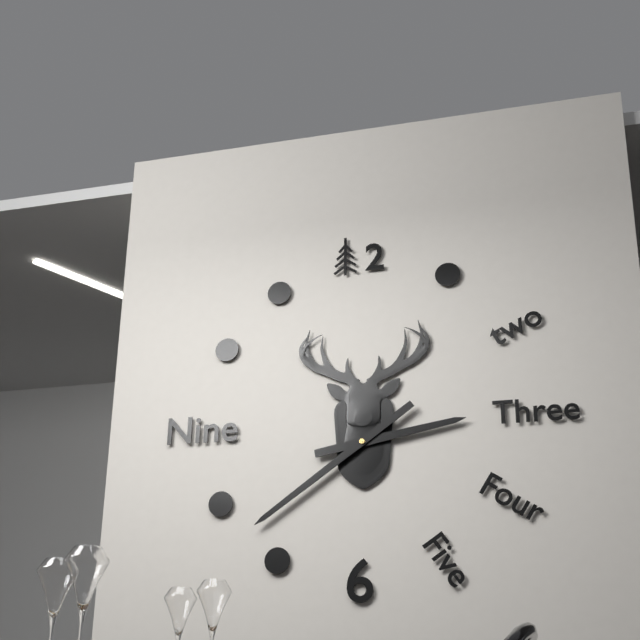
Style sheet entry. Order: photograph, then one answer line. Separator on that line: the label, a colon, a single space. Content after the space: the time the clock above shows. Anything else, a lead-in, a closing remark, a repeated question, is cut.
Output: 2:39
